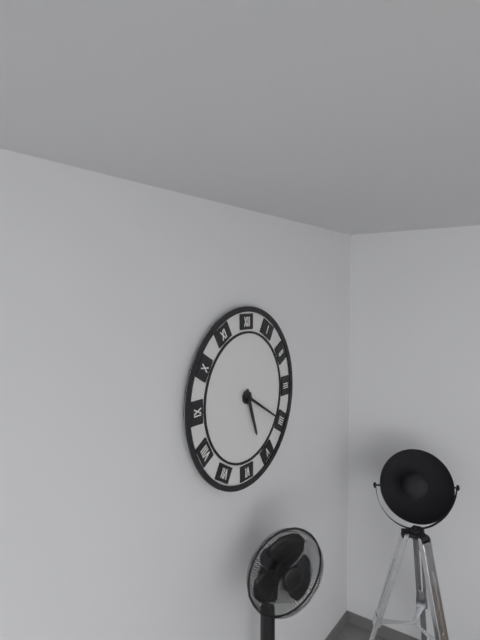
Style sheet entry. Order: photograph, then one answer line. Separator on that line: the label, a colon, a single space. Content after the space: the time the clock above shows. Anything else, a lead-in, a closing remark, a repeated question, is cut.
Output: 5:20
